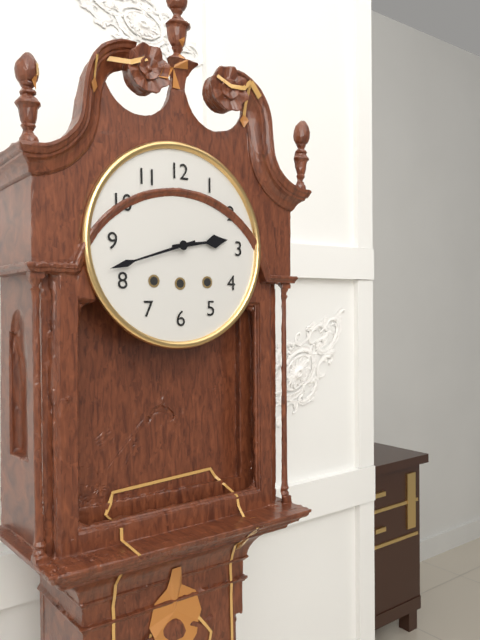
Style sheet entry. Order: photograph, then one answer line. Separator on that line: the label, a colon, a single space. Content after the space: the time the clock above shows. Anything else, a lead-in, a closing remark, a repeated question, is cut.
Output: 2:42
